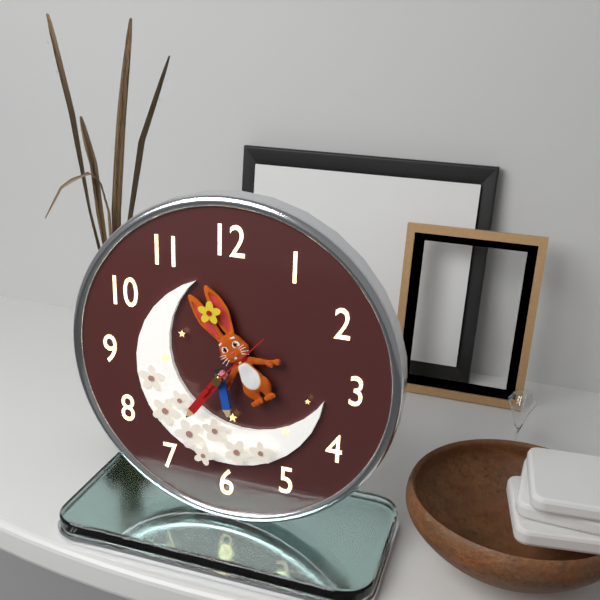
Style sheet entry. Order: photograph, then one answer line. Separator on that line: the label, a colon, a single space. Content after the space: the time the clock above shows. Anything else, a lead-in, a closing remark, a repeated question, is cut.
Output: 5:36:07
